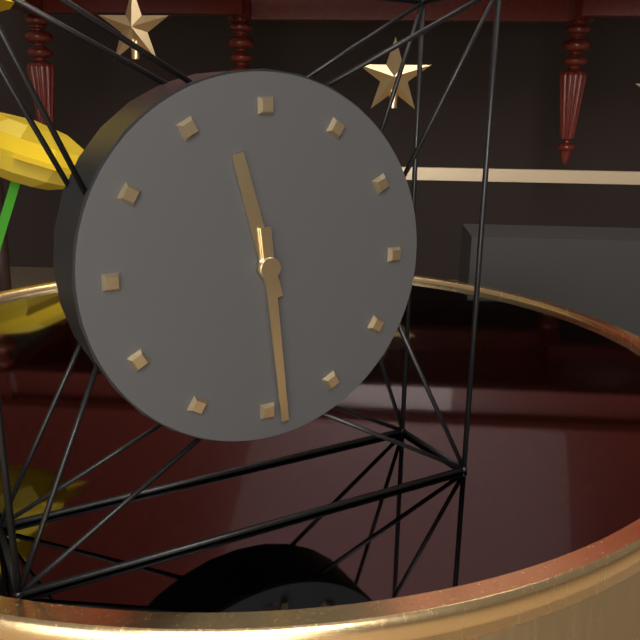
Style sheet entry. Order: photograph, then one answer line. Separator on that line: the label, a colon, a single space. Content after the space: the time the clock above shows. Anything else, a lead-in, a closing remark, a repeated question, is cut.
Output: 11:29
